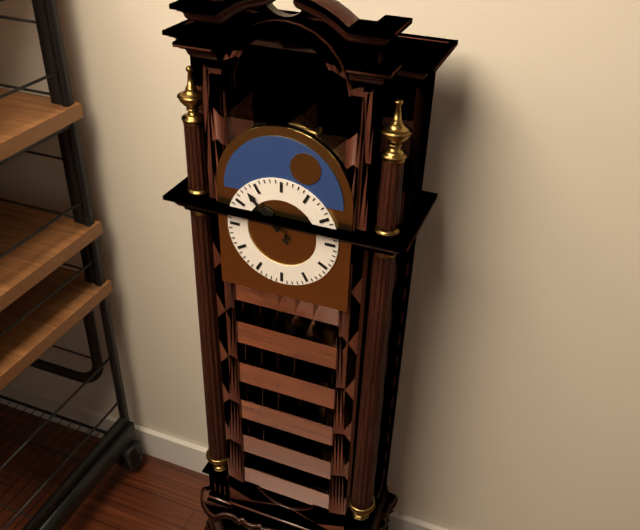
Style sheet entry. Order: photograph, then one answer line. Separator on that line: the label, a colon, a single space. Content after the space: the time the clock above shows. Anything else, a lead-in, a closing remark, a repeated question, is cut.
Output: 10:53
